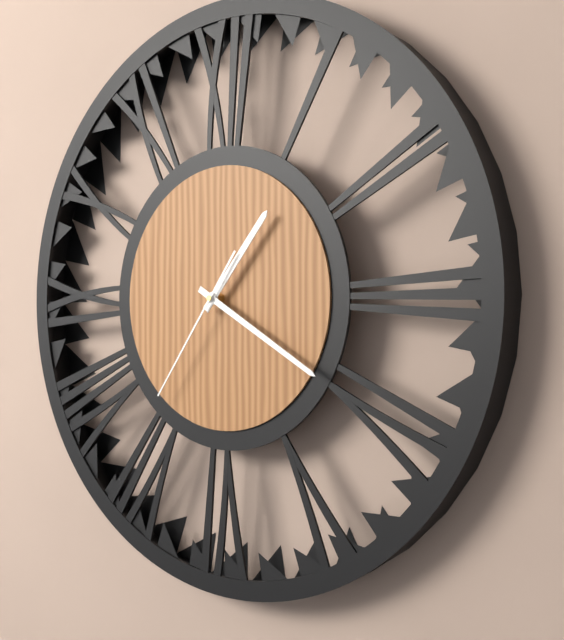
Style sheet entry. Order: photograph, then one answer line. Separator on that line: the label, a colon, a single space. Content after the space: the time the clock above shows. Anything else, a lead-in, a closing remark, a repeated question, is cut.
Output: 1:20:36
